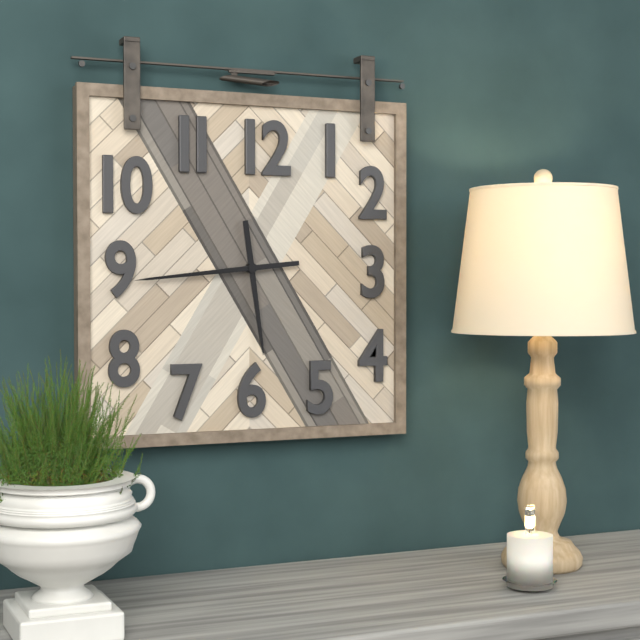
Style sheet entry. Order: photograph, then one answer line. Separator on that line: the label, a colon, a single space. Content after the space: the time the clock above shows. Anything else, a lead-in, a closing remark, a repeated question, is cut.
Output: 5:44
